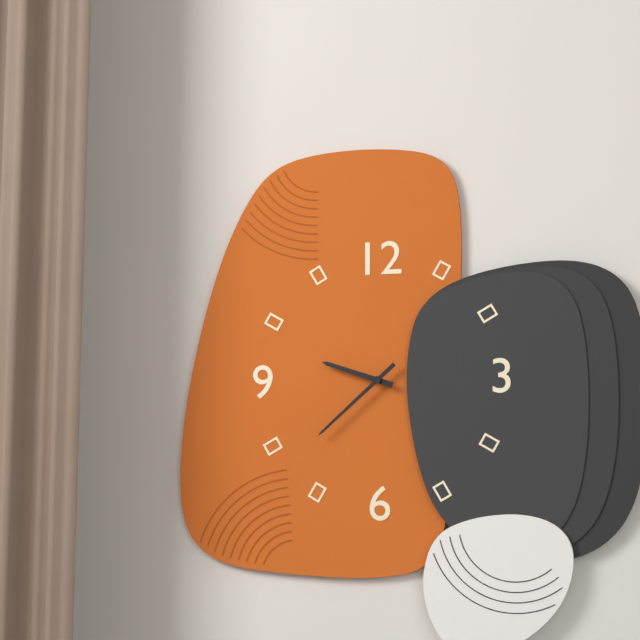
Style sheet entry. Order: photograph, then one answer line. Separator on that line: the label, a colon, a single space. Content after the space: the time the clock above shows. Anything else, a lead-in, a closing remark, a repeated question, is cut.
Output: 9:38
